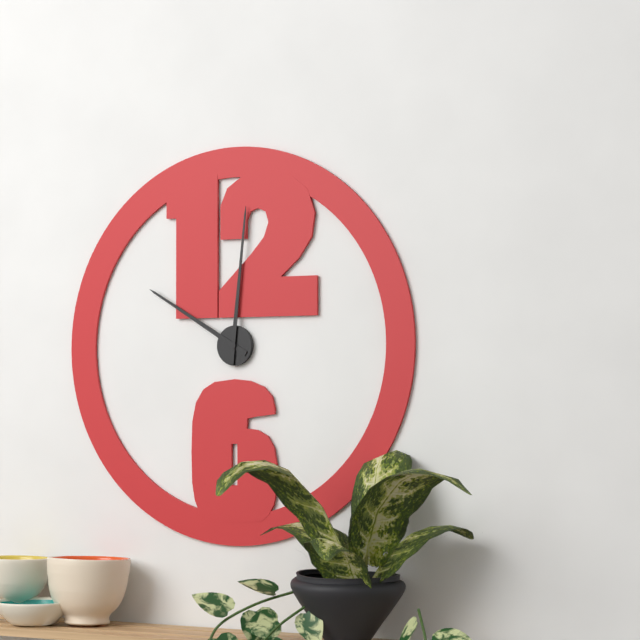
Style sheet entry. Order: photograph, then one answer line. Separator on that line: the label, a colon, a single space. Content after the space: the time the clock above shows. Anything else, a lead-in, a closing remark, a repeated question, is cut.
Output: 10:01
